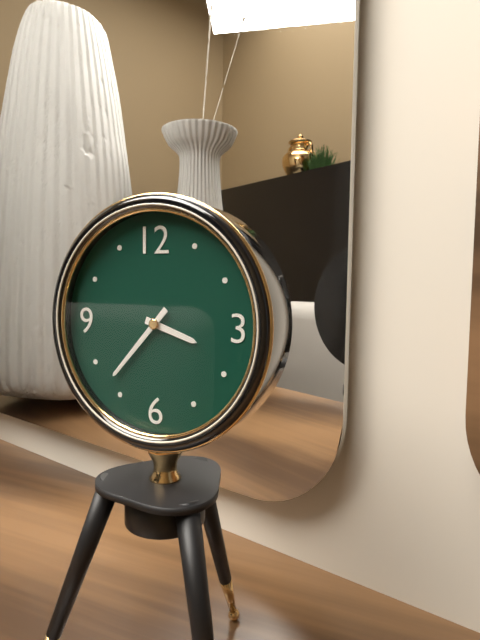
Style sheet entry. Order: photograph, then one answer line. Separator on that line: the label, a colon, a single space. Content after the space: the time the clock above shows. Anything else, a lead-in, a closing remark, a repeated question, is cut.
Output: 3:37
